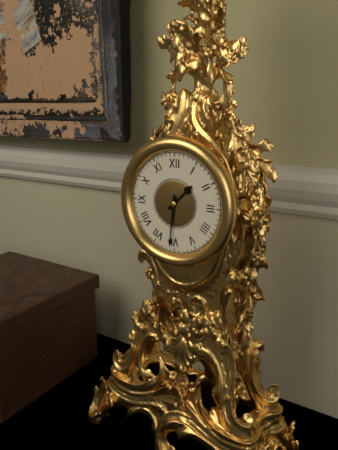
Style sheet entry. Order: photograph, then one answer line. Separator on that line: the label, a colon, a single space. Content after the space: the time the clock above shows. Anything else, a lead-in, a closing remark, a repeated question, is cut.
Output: 1:31
